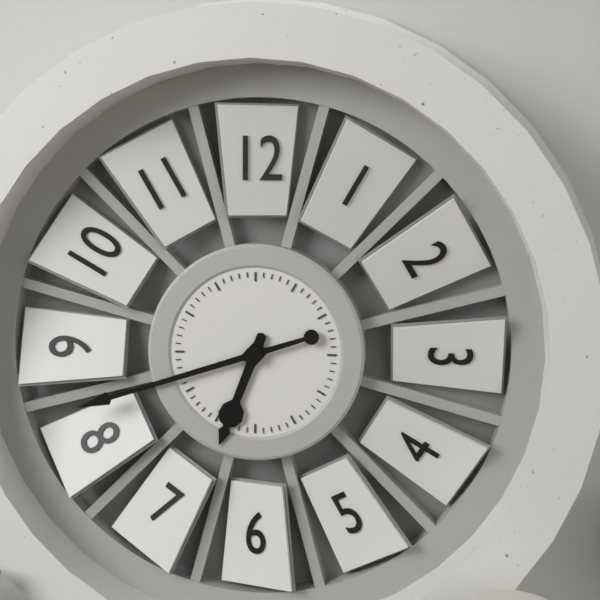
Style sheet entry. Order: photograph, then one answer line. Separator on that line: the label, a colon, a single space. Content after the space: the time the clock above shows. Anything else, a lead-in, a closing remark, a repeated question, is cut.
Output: 6:42
